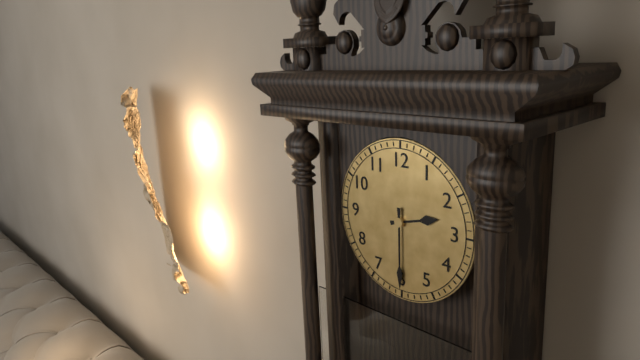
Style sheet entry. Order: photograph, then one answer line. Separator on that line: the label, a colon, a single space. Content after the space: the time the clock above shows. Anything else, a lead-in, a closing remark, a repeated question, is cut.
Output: 2:30
